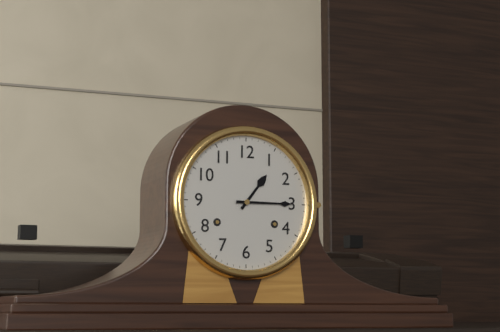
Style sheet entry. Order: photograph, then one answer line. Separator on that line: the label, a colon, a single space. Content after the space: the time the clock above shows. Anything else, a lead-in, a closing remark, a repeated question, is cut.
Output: 1:15
